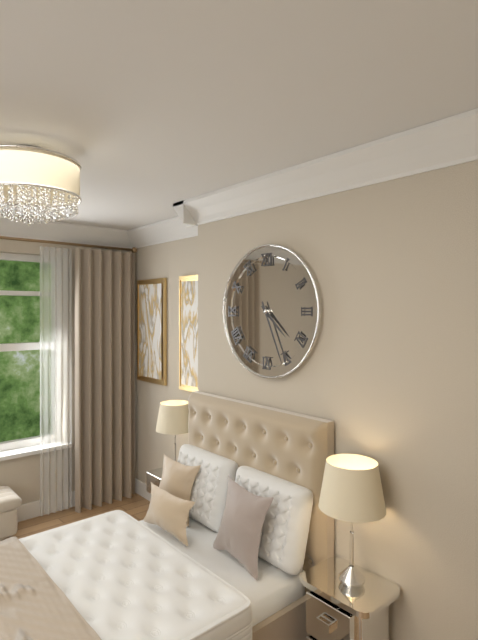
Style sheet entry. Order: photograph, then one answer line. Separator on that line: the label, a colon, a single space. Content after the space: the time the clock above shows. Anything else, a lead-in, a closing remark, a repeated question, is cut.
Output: 4:26
